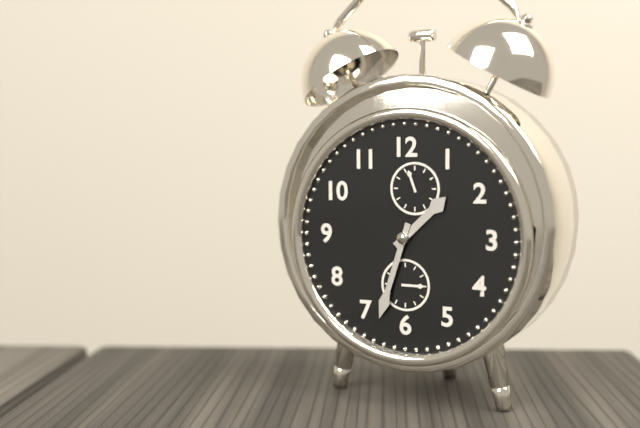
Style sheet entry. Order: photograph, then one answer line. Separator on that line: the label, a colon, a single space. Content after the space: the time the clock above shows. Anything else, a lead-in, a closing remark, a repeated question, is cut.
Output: 1:33
